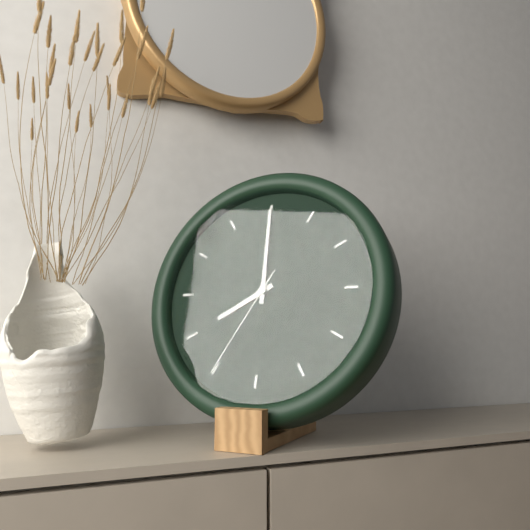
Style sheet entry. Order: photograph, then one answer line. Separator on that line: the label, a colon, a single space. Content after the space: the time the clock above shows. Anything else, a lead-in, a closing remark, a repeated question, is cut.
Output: 8:00:35
